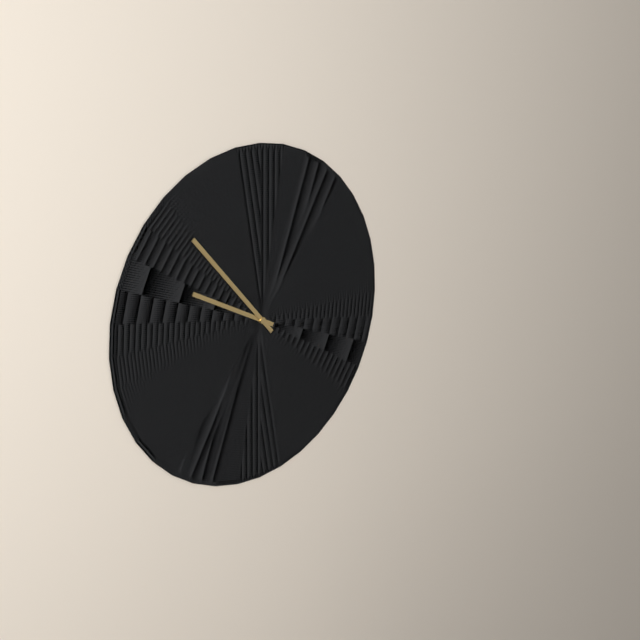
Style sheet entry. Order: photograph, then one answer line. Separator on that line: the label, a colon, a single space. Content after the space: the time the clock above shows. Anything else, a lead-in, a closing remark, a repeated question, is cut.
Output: 9:53
